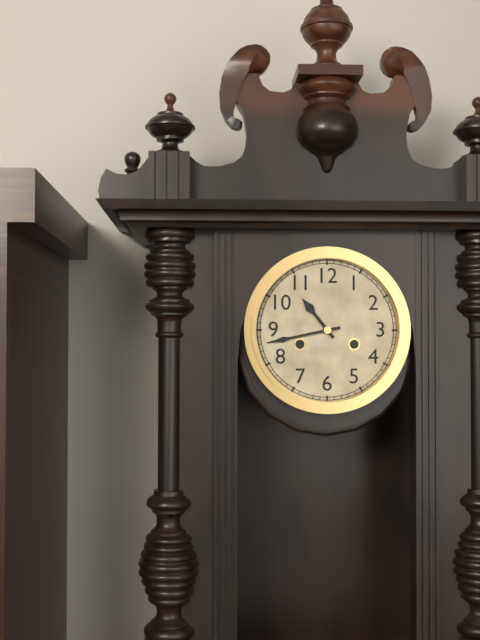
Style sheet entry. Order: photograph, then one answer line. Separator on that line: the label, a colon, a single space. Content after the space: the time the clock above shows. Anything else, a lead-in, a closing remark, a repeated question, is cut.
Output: 10:43
